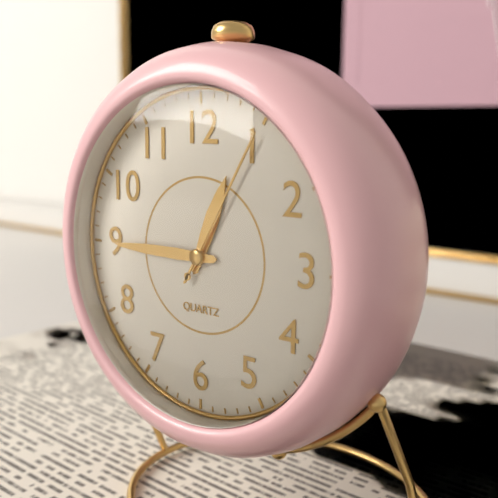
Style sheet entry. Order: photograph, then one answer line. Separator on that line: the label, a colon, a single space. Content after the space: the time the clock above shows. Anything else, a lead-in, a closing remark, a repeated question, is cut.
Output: 12:45:05
